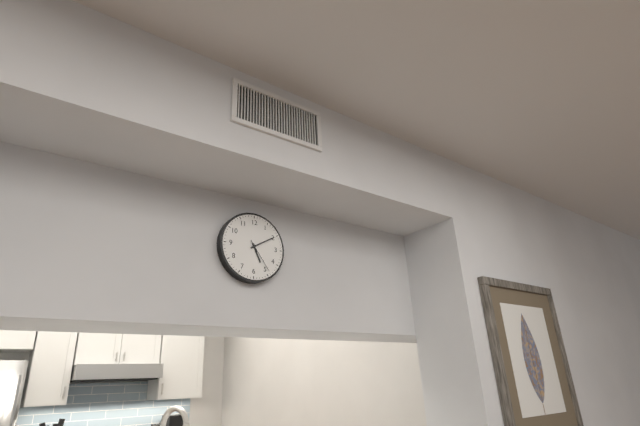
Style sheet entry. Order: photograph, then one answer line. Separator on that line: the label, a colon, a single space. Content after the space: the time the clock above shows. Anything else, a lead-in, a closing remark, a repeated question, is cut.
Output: 5:10
